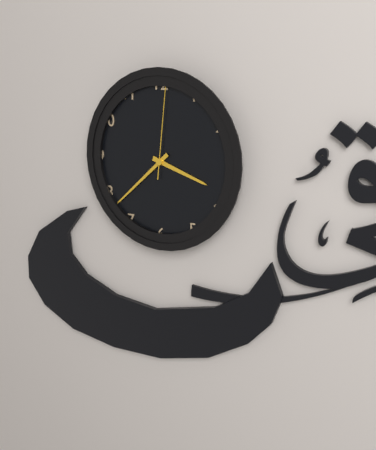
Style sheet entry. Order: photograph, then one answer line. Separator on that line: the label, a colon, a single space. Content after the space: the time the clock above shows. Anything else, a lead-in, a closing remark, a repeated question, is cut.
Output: 3:38:01
